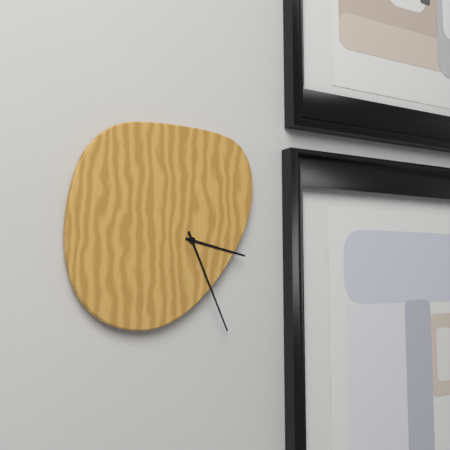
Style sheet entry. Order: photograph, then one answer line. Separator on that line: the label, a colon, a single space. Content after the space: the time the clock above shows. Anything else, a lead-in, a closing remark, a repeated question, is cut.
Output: 3:26
